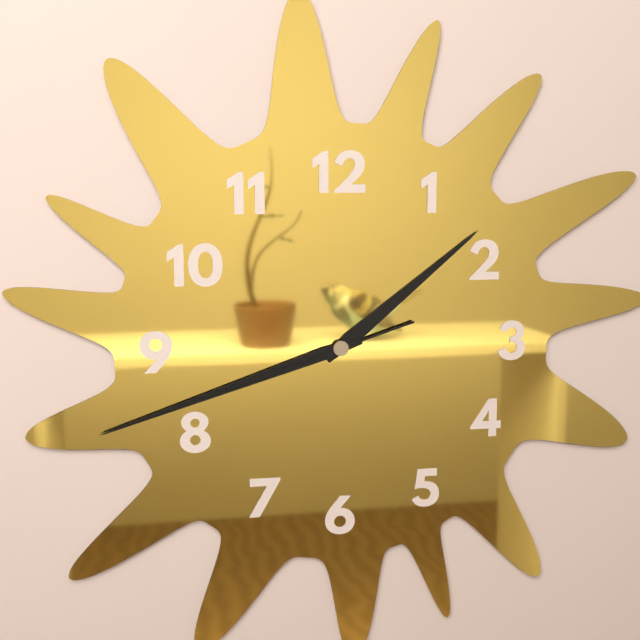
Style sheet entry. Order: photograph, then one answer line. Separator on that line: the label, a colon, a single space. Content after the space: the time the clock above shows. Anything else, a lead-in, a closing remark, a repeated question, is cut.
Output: 1:42:42
